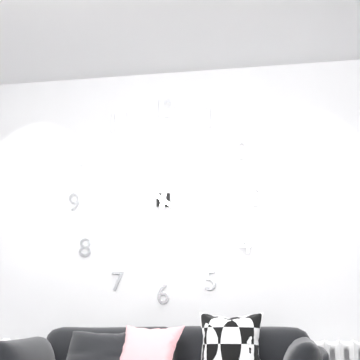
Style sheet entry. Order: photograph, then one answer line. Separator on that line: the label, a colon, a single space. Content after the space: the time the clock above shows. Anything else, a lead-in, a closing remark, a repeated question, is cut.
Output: 12:21
